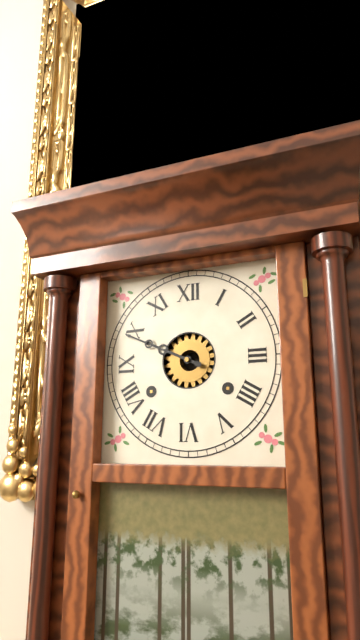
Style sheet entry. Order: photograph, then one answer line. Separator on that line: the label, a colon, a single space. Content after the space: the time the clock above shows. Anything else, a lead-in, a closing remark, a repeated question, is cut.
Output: 9:49
